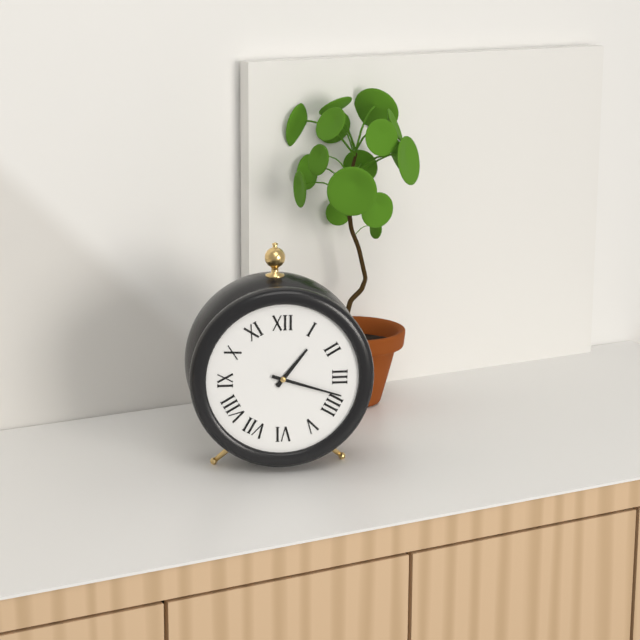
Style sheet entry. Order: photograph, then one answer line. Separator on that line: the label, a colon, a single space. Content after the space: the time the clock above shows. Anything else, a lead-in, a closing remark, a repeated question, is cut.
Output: 1:18
